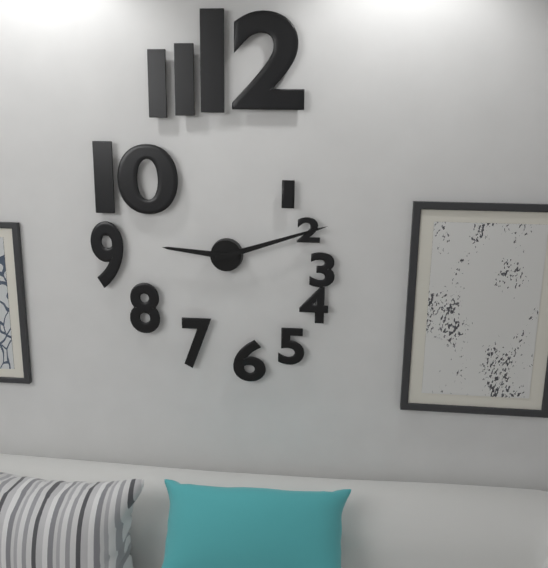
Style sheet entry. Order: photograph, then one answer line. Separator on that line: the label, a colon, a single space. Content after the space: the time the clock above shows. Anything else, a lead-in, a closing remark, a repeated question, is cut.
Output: 9:12
